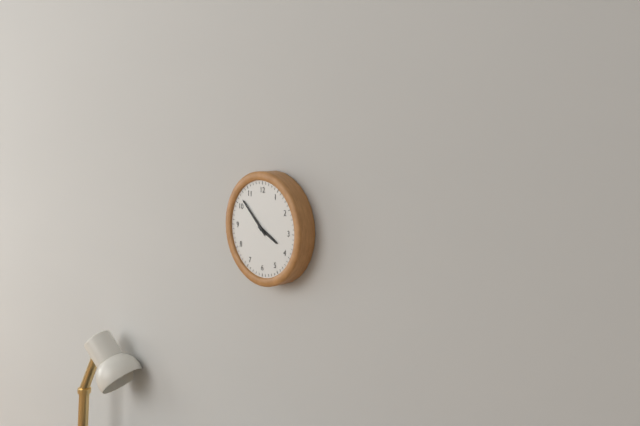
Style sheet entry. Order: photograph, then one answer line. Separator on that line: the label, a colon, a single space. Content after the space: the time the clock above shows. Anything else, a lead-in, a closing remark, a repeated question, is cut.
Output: 3:52
